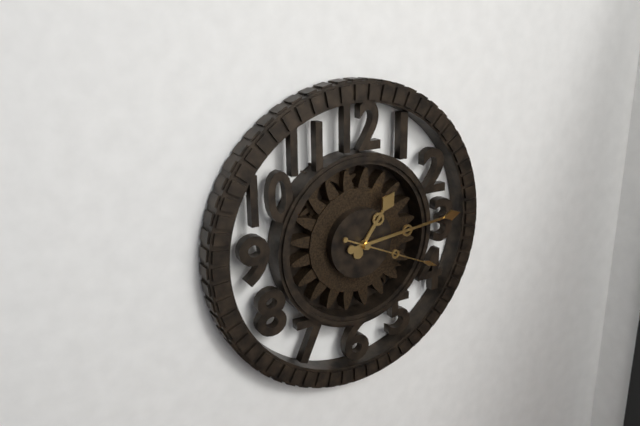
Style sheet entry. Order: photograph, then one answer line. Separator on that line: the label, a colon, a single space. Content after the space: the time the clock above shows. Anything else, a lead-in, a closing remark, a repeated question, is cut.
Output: 1:14:19
